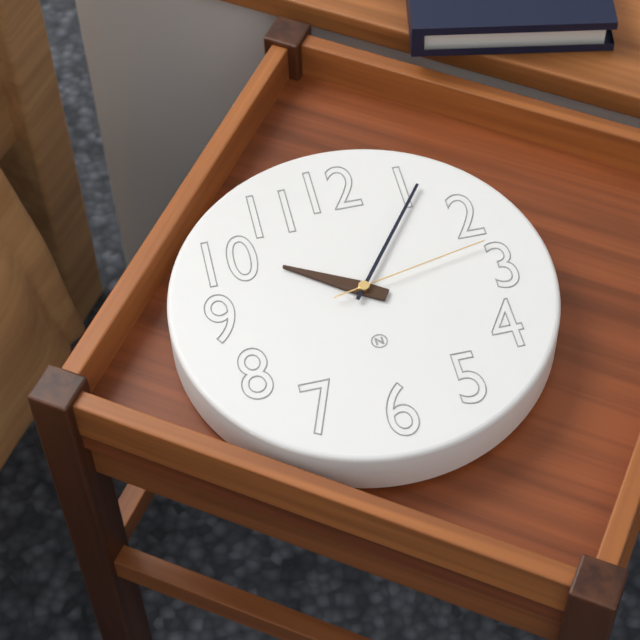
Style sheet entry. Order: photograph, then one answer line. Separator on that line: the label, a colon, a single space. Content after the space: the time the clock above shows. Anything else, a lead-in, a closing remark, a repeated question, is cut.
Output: 10:06:13
